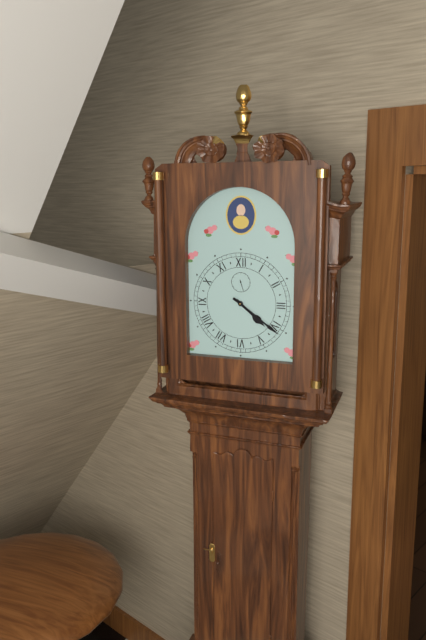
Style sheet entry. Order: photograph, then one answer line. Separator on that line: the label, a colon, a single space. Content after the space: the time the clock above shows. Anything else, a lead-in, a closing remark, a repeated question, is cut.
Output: 4:21
